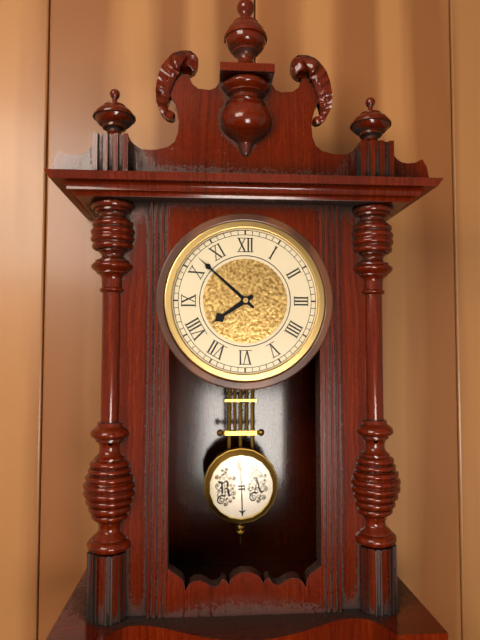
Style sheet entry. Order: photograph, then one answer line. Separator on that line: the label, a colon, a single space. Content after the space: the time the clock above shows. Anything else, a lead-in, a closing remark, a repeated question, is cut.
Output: 7:52
